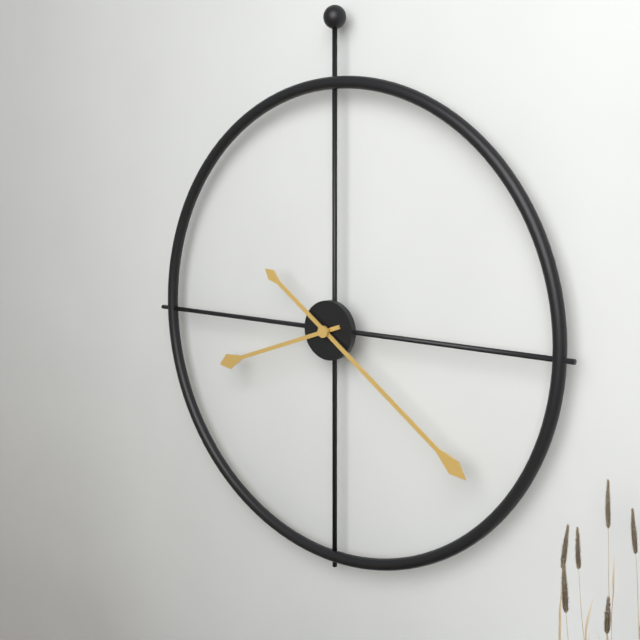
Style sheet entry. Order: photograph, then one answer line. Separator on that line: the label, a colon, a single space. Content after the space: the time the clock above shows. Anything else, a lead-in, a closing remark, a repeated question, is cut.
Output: 8:21
